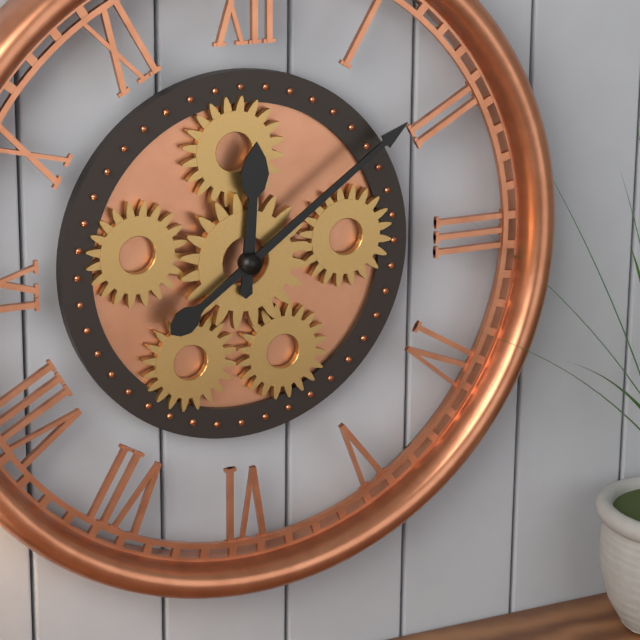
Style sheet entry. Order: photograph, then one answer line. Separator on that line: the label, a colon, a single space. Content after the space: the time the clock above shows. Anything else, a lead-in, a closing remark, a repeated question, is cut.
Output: 12:09
